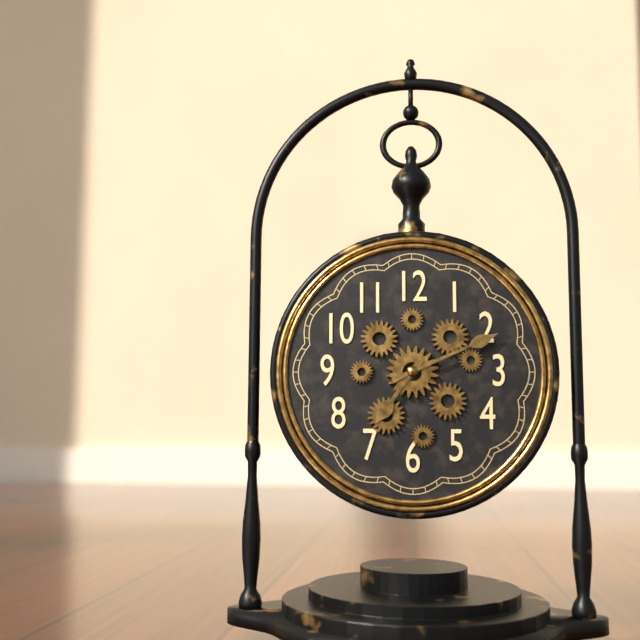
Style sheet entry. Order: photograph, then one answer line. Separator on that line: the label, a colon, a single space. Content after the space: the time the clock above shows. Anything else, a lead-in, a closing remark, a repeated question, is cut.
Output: 7:11
